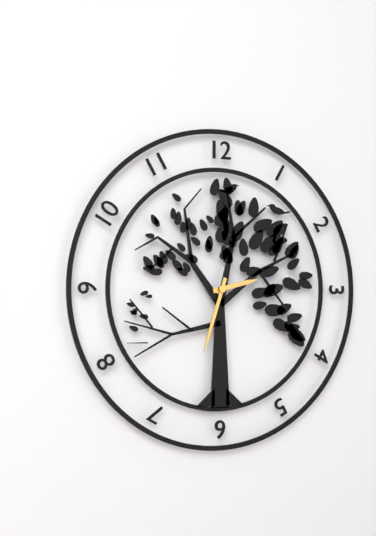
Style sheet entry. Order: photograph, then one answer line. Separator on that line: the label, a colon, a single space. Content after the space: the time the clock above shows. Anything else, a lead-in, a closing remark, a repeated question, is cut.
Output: 2:33
